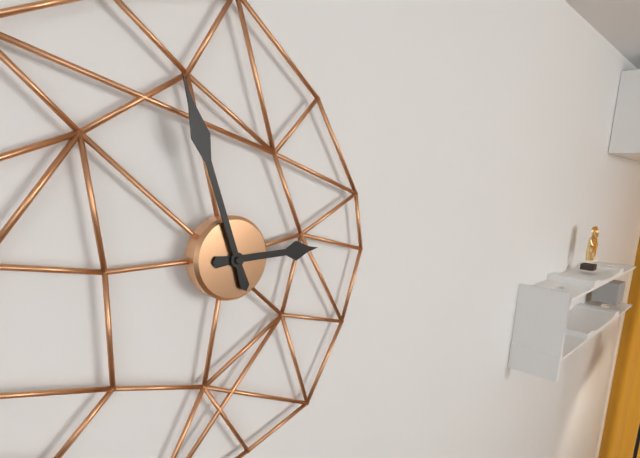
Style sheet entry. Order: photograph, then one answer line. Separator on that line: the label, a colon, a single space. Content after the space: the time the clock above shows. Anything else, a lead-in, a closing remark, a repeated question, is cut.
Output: 2:57
